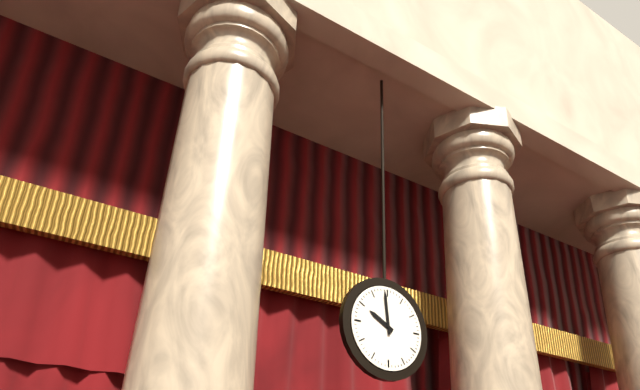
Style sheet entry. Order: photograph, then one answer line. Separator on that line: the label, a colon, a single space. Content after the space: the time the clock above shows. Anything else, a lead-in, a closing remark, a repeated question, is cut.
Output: 9:59
